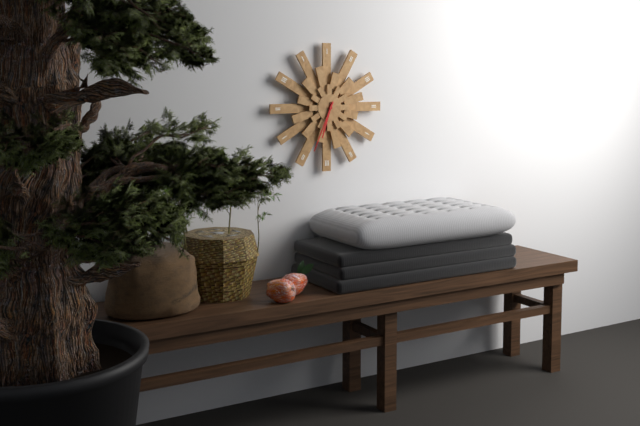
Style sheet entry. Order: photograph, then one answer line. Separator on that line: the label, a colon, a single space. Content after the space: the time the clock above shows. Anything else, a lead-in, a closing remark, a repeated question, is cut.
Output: 6:34
